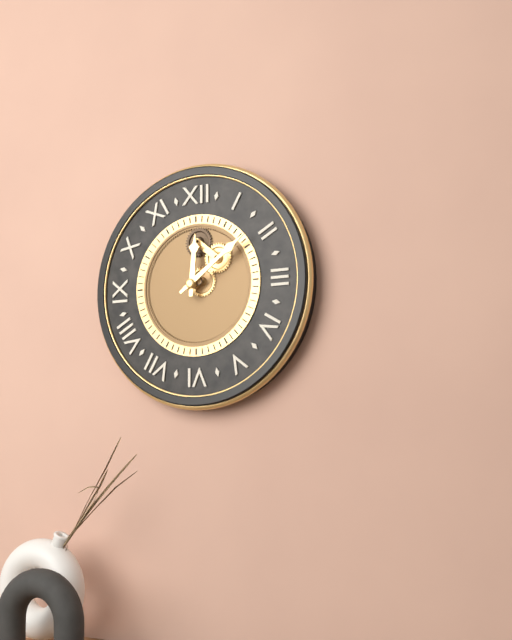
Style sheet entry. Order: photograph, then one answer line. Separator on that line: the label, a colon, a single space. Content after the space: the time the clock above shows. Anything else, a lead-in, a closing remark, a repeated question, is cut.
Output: 12:09
